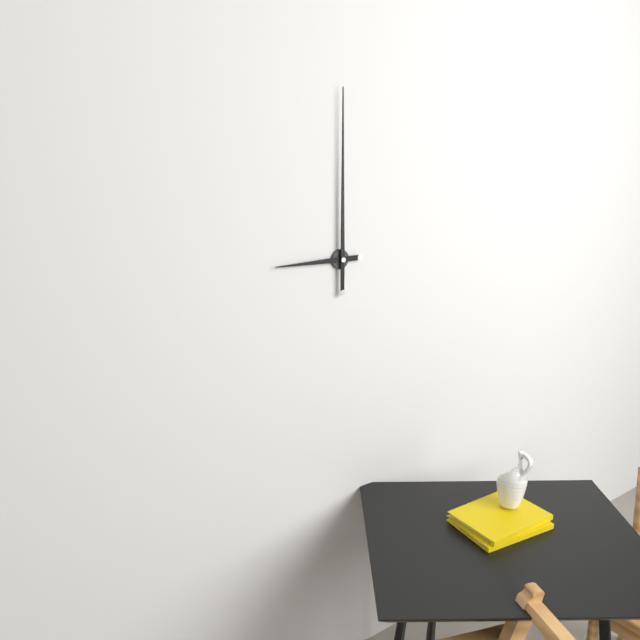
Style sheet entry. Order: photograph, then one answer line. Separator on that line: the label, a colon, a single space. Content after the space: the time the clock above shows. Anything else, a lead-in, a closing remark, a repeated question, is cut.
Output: 9:00
